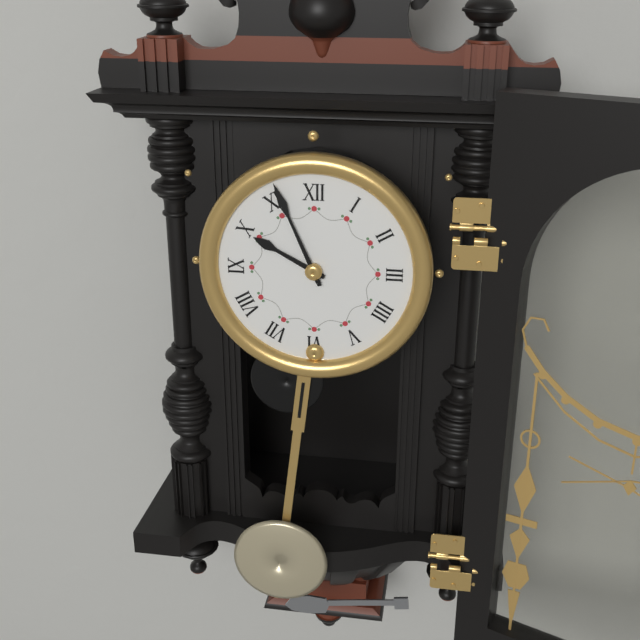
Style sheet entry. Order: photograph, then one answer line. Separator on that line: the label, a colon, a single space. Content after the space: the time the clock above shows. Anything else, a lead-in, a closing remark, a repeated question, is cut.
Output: 9:56
